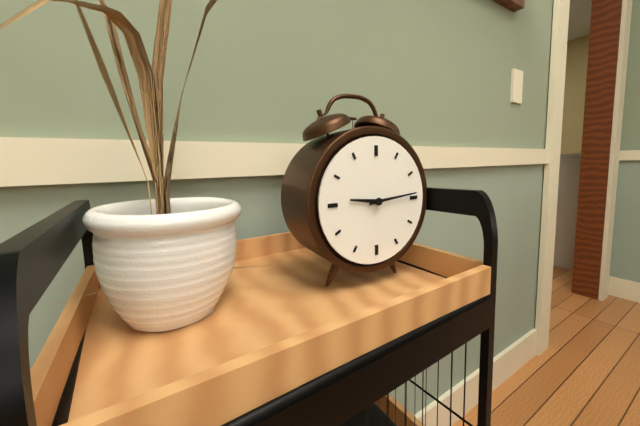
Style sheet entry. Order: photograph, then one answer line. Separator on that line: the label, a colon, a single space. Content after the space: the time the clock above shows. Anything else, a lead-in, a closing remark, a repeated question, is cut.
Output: 9:14
